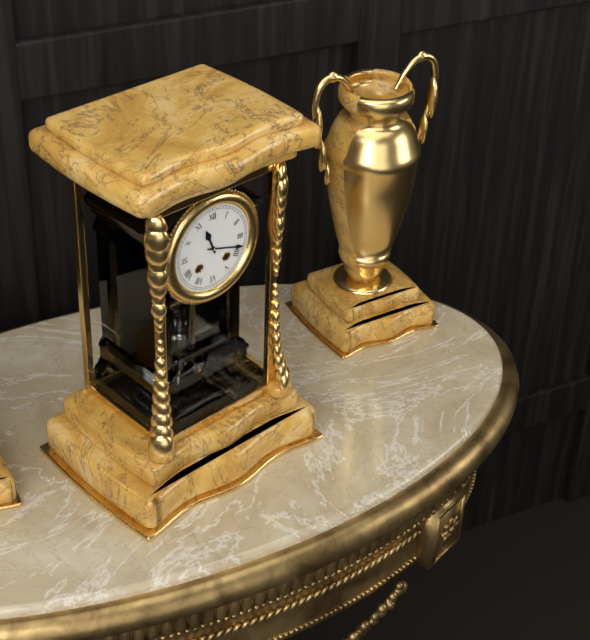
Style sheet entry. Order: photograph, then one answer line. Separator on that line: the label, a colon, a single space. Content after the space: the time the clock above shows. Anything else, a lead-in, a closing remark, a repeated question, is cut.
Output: 11:18
